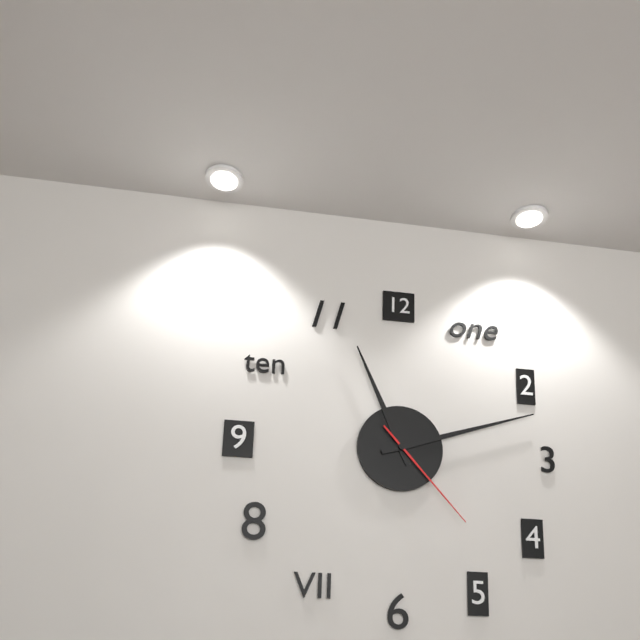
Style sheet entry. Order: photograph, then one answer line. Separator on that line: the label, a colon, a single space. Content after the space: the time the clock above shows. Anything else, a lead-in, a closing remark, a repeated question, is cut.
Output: 11:12:23
